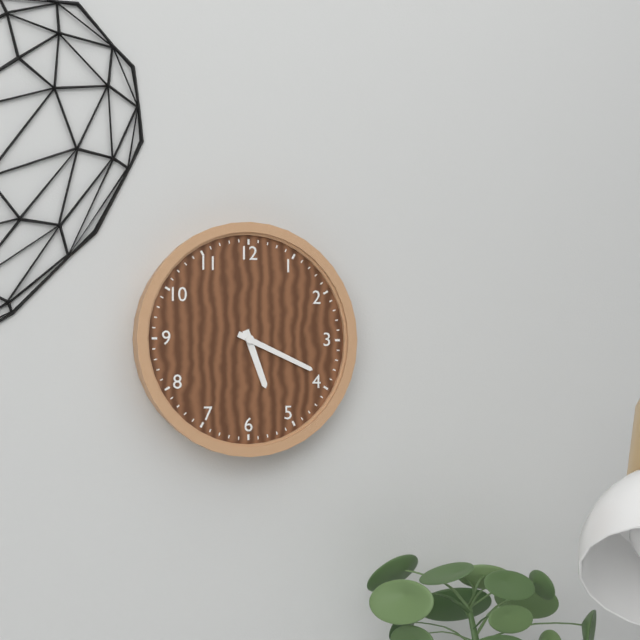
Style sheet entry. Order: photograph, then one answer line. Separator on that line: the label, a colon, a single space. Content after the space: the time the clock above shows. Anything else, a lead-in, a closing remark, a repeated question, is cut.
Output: 5:19
